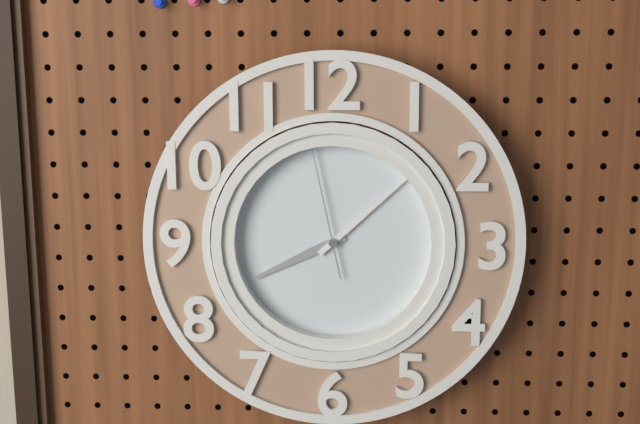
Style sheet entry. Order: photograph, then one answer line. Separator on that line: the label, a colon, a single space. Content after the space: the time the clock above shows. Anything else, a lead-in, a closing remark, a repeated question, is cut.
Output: 8:08:58
